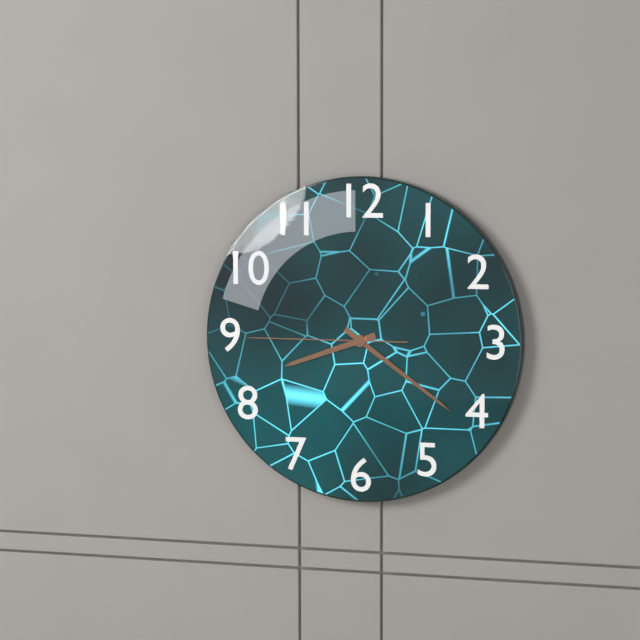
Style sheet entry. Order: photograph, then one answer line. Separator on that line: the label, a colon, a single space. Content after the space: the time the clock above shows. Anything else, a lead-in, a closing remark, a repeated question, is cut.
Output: 8:21:45
